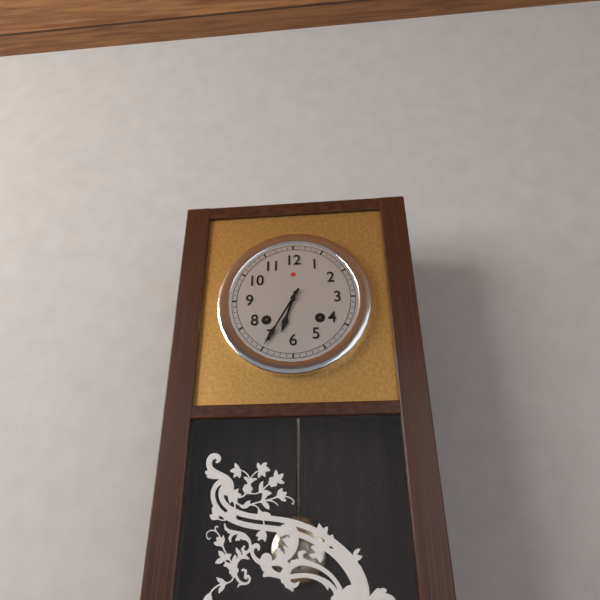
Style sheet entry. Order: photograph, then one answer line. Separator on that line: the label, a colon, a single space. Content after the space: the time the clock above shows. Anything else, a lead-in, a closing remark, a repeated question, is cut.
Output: 6:35
